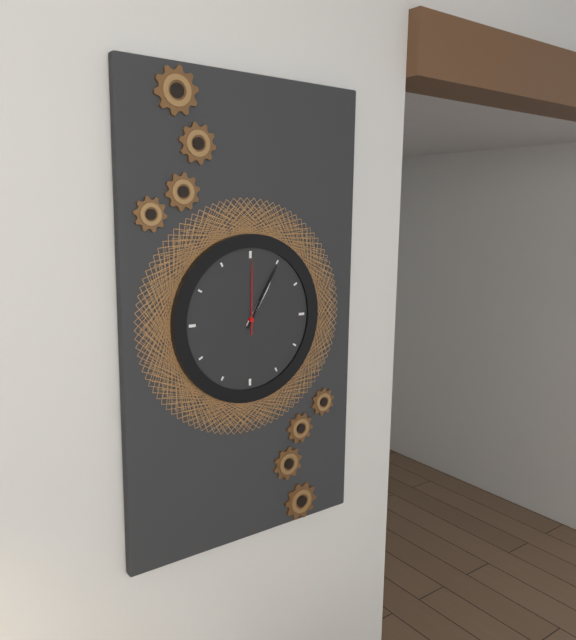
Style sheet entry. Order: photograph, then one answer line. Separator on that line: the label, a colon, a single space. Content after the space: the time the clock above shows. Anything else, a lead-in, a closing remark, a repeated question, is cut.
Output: 1:05:00
